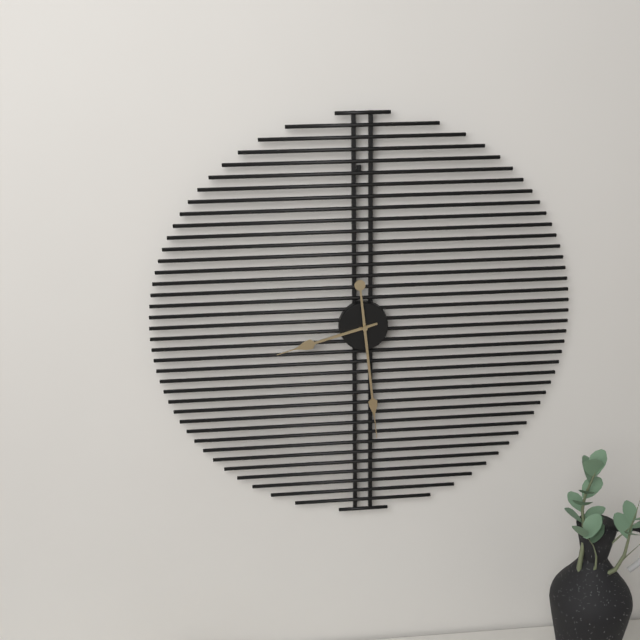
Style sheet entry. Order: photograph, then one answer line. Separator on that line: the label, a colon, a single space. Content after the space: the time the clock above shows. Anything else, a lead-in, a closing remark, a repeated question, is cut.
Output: 8:29
